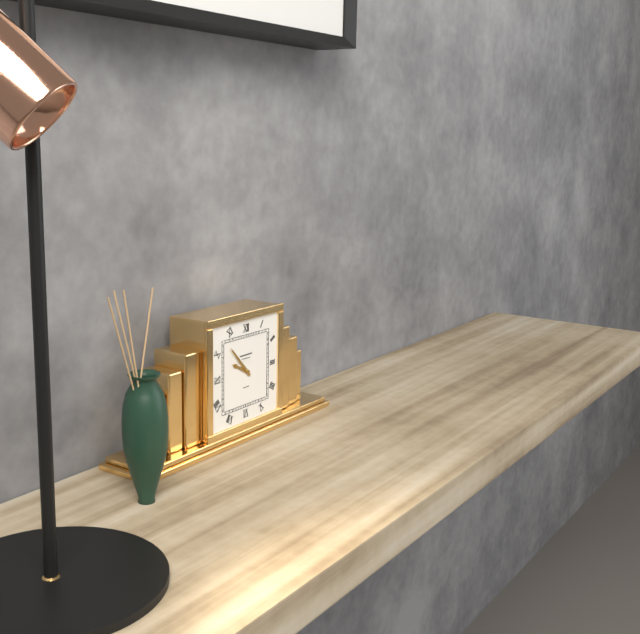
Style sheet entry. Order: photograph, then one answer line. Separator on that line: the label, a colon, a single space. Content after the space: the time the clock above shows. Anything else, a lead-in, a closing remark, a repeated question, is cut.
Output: 9:53
